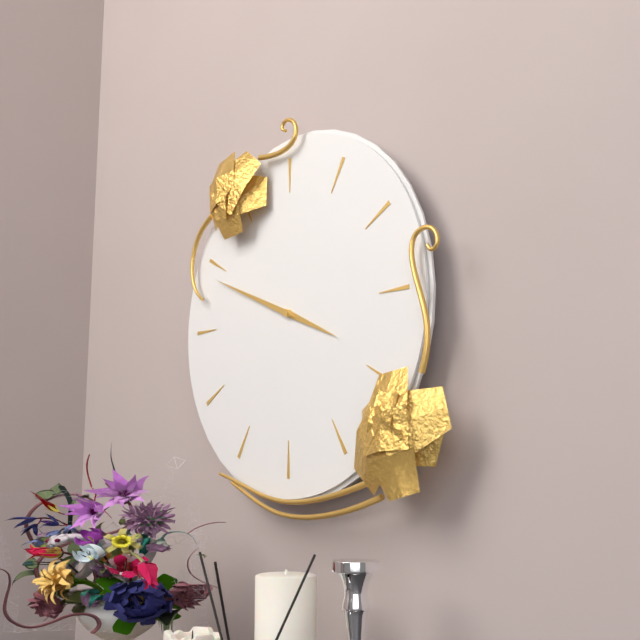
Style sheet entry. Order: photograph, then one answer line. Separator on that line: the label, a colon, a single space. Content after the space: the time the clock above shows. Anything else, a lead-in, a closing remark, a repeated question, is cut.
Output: 3:49
